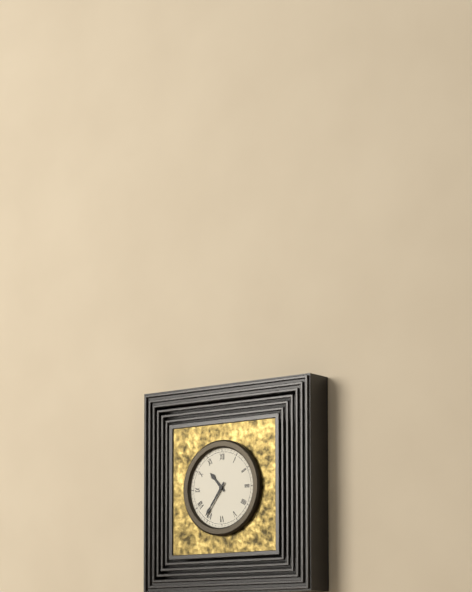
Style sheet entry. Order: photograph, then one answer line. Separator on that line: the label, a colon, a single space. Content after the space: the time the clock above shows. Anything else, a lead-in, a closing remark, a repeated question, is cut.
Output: 10:36
